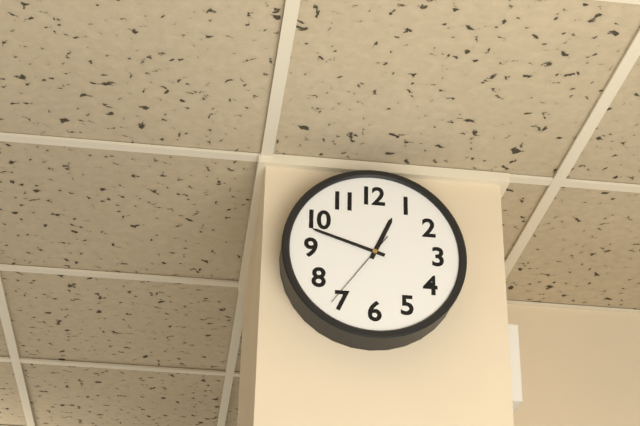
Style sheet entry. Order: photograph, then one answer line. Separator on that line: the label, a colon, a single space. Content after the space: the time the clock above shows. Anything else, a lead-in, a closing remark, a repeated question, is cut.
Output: 12:48:36
